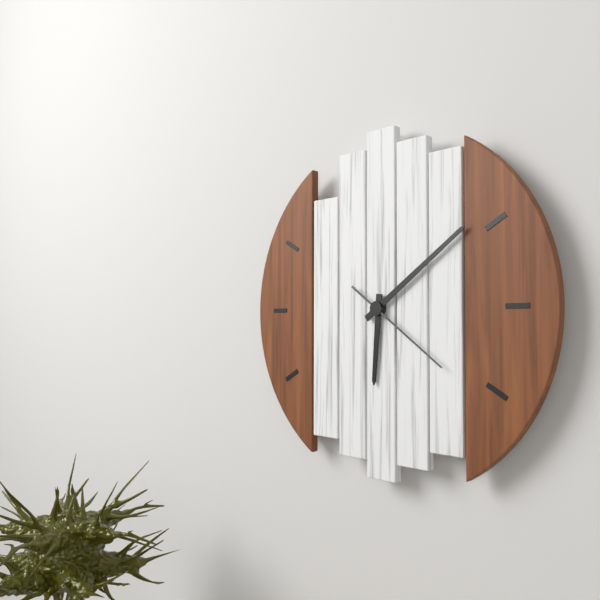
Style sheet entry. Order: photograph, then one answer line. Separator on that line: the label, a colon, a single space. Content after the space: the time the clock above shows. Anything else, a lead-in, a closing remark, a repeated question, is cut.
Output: 6:09:21
